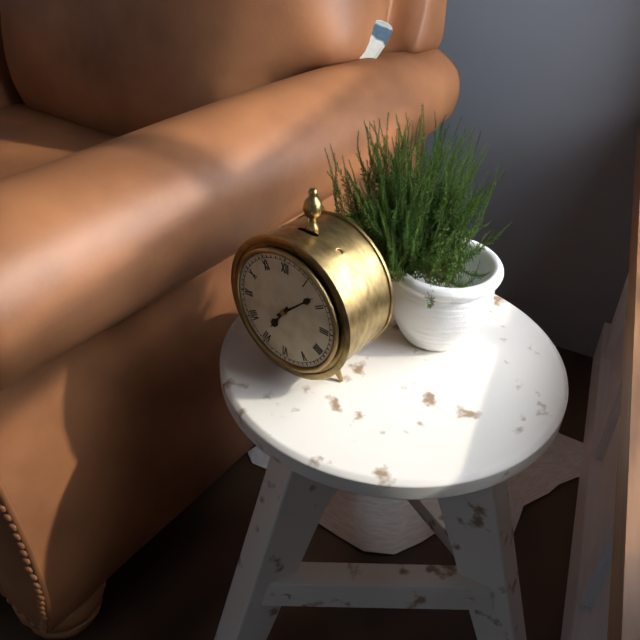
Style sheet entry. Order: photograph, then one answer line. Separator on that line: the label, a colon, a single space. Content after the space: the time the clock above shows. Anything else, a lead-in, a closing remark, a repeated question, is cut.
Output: 7:08
